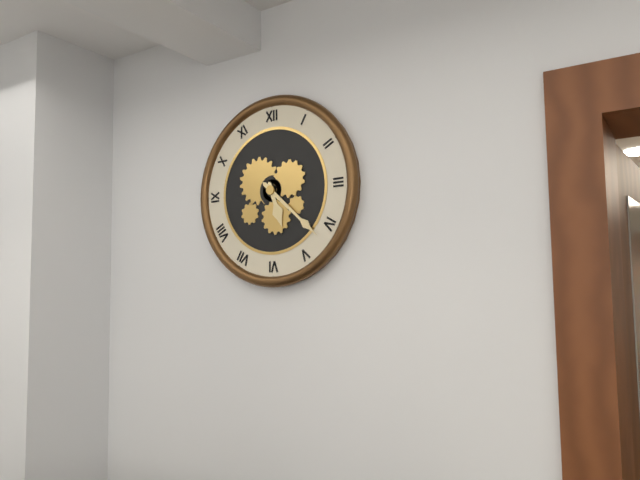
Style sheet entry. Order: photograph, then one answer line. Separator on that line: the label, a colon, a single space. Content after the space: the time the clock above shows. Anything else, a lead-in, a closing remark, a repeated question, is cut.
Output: 5:22
